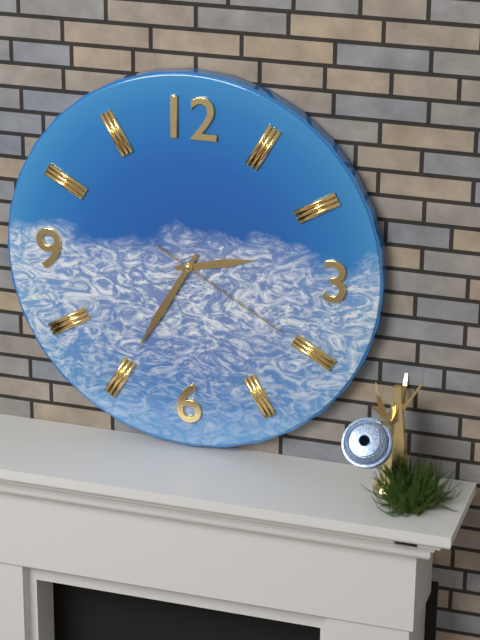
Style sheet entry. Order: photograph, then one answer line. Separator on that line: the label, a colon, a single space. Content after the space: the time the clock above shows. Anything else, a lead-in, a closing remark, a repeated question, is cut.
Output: 2:35:20
